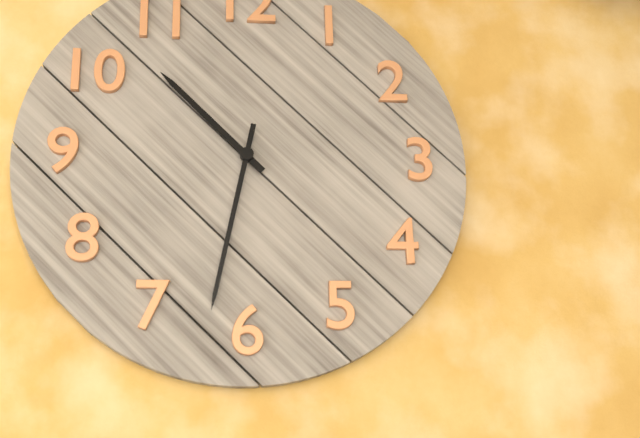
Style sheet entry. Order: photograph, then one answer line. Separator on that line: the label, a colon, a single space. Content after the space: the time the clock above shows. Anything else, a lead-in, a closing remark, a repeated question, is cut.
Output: 10:32
